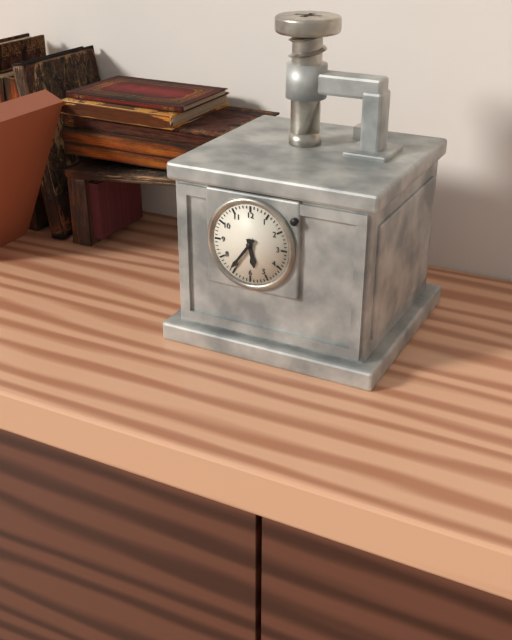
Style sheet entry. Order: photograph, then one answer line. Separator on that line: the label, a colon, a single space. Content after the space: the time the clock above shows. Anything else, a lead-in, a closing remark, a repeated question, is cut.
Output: 5:36
